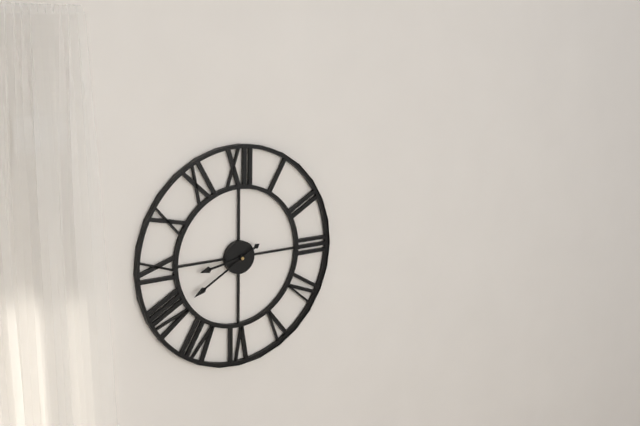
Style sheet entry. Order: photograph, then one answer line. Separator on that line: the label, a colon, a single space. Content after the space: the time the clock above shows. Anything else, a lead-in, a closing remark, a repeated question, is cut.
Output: 8:40
